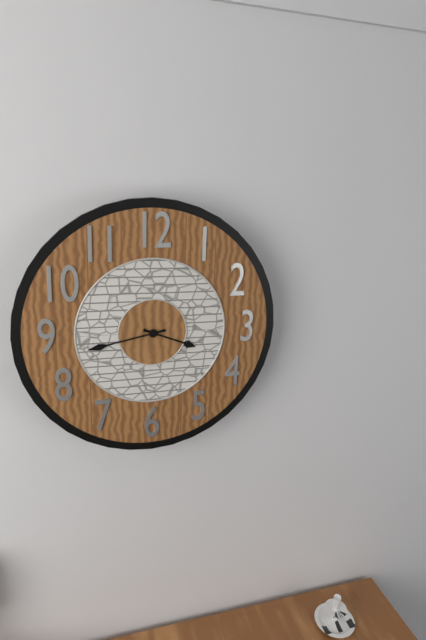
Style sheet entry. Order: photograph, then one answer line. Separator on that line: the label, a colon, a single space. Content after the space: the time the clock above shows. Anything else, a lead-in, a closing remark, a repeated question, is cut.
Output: 3:43
